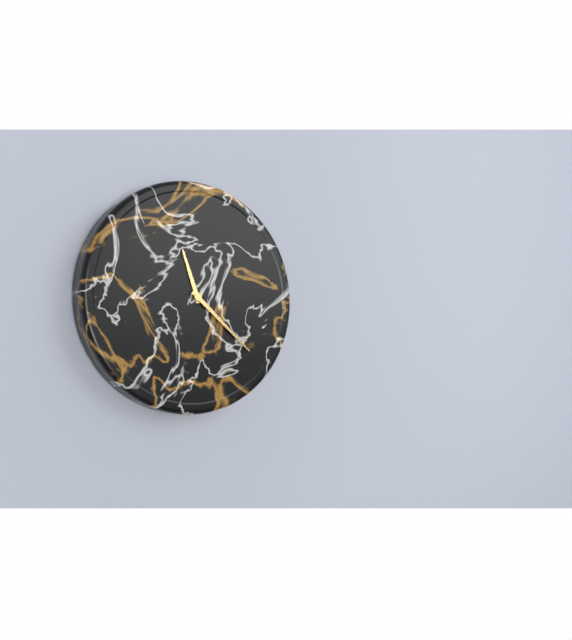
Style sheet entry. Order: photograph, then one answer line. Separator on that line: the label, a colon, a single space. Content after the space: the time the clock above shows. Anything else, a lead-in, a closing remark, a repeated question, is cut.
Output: 11:22
